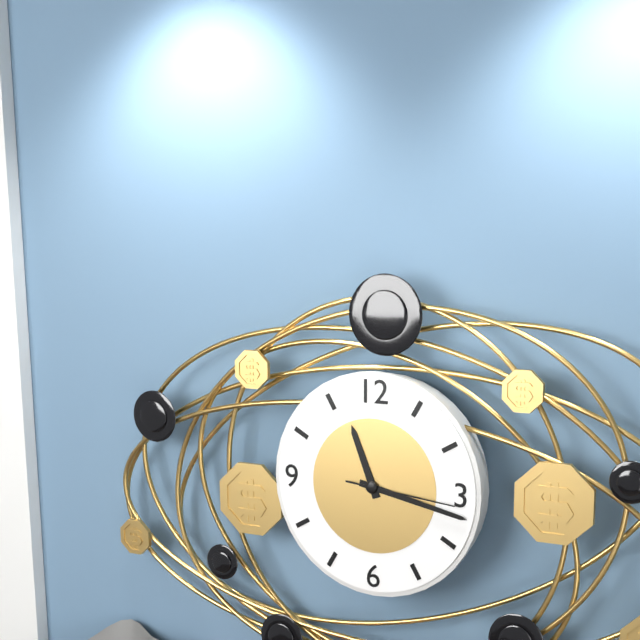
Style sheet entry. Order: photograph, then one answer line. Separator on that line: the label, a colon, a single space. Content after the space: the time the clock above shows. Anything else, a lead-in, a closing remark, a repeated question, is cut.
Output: 11:17:16
